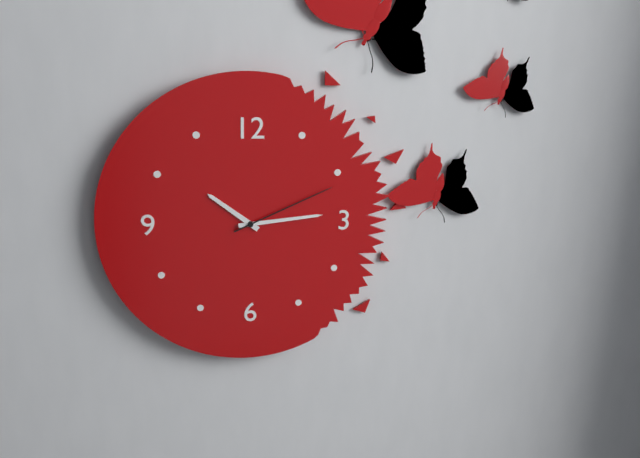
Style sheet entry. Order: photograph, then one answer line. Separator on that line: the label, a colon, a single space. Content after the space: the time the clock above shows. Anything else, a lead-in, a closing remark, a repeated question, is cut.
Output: 10:14:11
